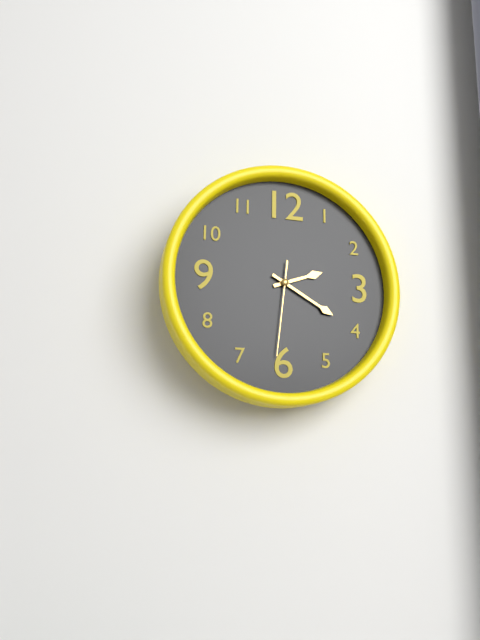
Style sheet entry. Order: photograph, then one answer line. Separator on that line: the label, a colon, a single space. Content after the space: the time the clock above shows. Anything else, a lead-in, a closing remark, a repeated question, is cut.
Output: 2:20:31
